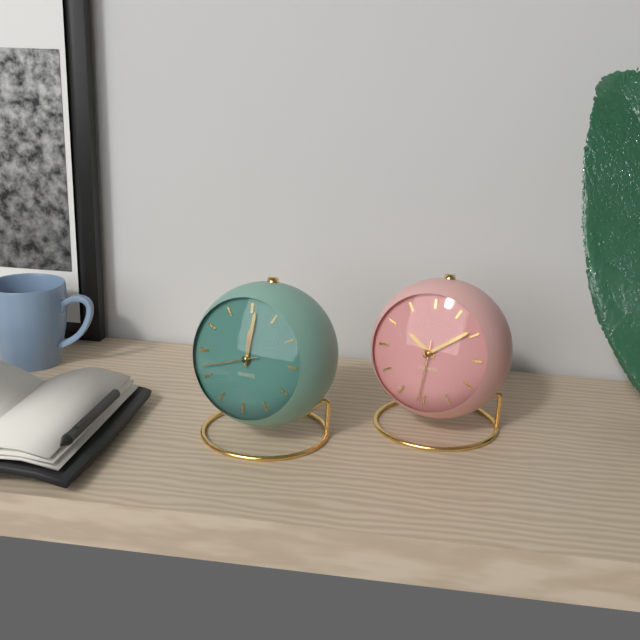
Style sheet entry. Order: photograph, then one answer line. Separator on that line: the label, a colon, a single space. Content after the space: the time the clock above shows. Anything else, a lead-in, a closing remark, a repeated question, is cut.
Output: 12:01:42
